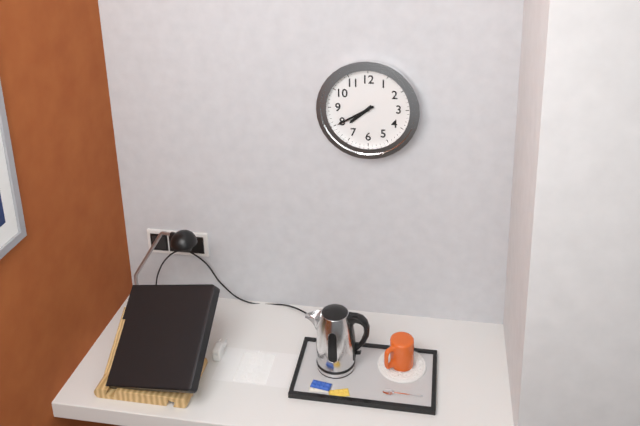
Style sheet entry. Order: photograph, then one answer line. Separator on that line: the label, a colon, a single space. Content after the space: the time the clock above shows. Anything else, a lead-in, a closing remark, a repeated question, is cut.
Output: 7:40
